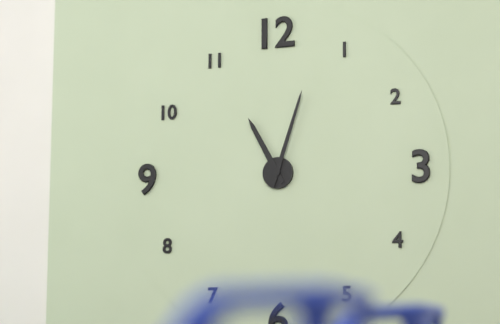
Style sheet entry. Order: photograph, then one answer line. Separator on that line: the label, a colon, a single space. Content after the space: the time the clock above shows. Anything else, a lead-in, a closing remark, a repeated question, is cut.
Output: 11:03
